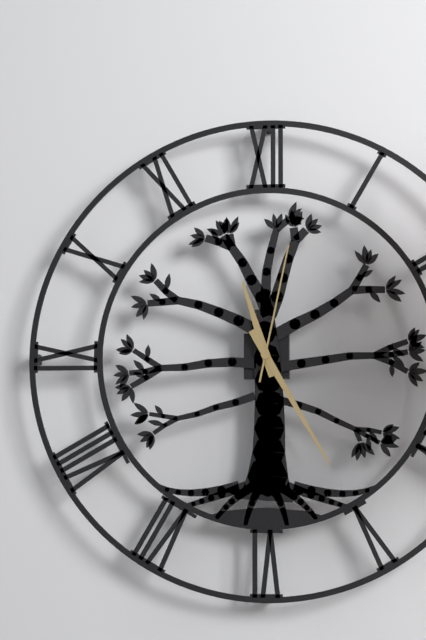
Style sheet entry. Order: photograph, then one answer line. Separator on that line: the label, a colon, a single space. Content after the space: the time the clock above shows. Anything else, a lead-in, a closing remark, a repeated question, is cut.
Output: 11:25:02
